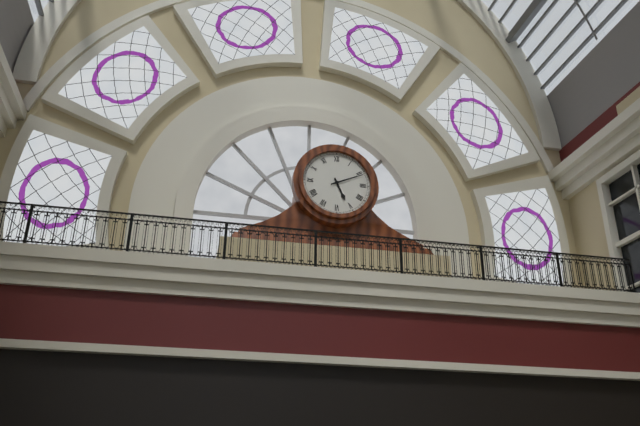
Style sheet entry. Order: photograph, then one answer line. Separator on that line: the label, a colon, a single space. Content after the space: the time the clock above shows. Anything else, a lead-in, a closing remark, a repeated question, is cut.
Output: 5:11
